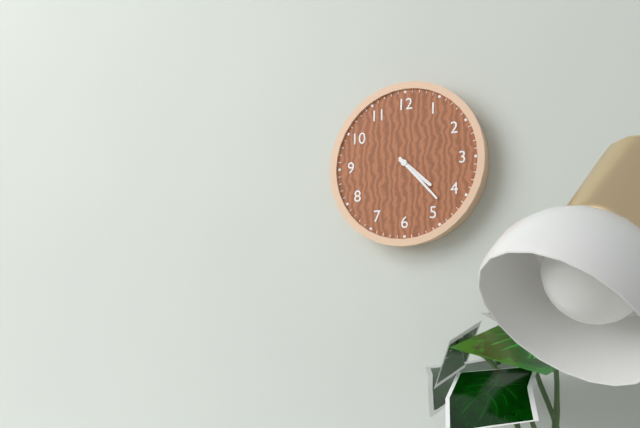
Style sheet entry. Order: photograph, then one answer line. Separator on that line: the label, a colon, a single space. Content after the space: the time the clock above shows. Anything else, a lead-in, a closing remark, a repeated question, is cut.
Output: 4:23
